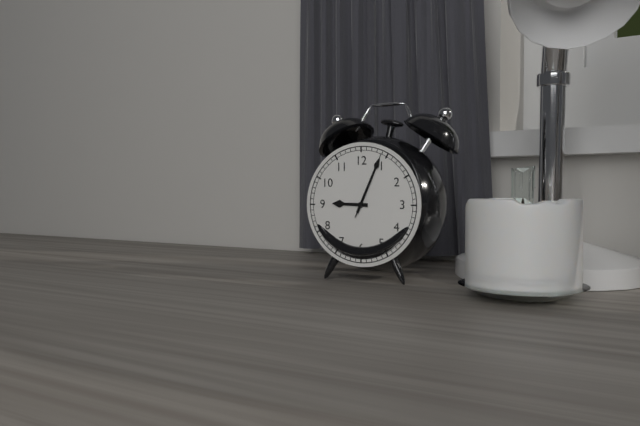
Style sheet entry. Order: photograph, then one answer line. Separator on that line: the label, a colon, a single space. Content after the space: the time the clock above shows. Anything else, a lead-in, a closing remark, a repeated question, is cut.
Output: 9:04:04
